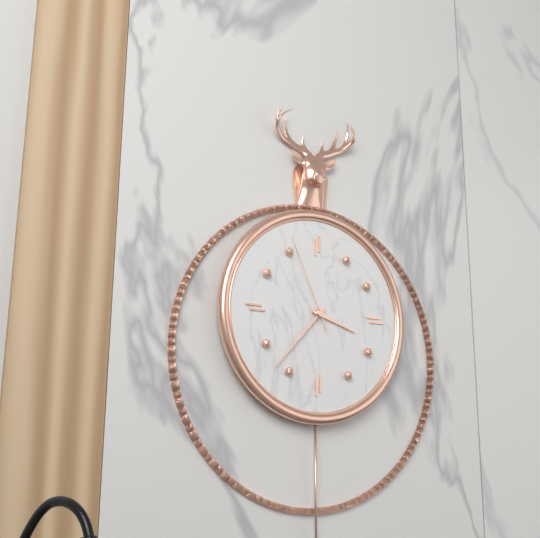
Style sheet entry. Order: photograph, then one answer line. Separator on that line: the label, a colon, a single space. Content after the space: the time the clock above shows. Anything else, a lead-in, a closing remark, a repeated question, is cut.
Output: 3:37:56
